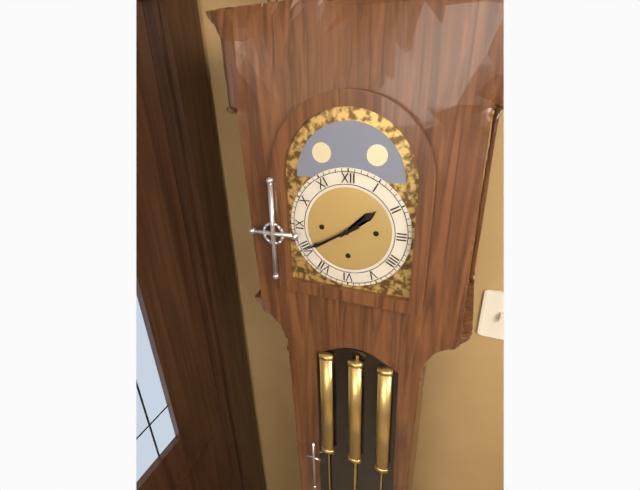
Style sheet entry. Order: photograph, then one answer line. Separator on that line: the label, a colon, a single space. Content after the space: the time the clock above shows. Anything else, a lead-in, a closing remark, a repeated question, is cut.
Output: 1:40
